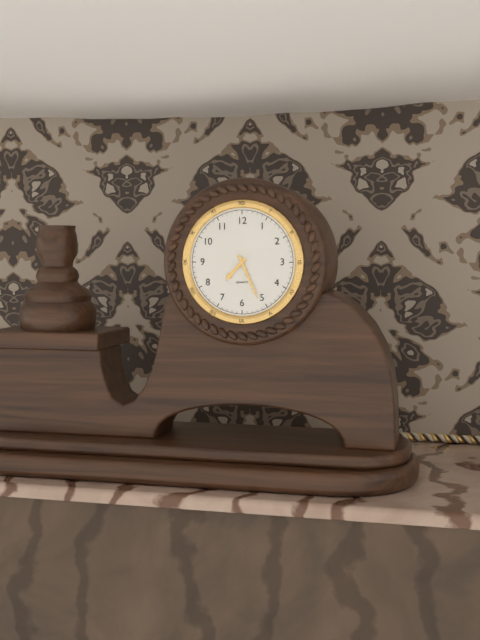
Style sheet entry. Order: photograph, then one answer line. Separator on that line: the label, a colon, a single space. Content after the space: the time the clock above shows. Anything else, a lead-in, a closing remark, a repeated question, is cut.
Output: 7:26
